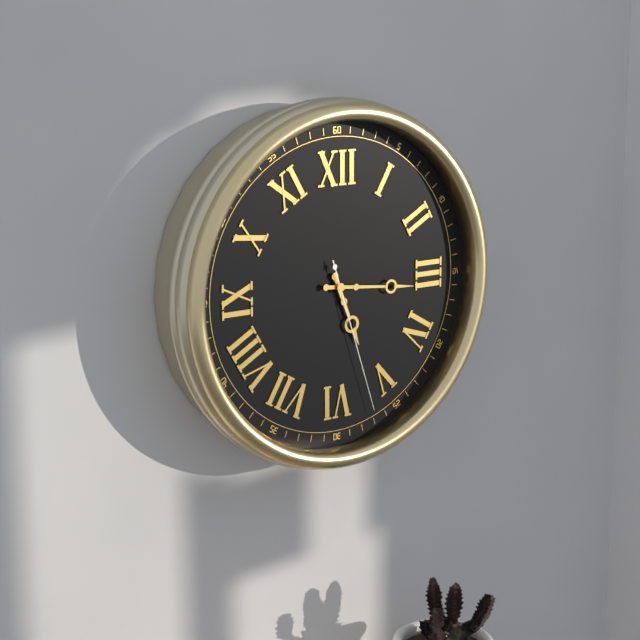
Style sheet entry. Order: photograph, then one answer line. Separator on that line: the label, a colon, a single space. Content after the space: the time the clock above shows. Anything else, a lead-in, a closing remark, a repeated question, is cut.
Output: 5:16:27
